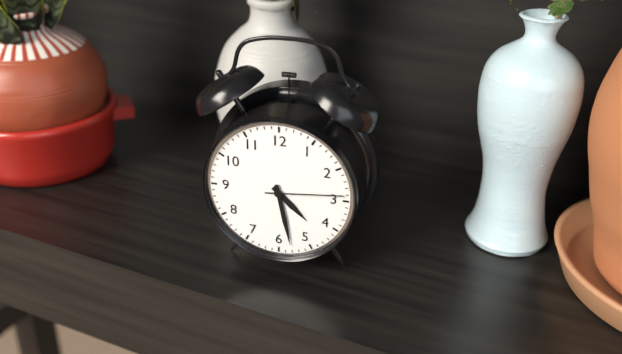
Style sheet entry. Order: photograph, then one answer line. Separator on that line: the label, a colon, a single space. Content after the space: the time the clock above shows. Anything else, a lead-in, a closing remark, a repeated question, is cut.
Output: 4:28:14
